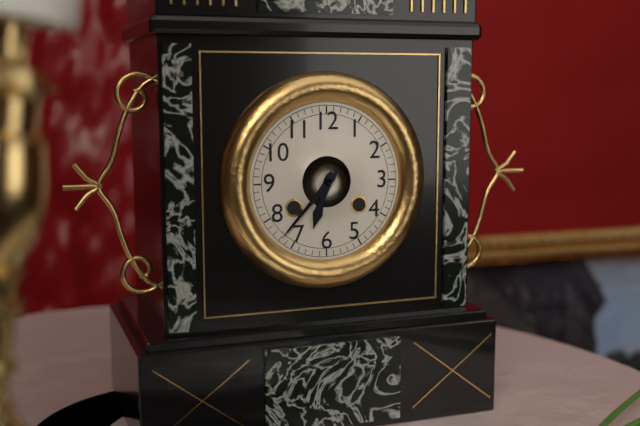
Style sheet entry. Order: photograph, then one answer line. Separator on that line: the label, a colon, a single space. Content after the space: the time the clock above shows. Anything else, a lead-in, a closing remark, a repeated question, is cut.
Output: 6:37
